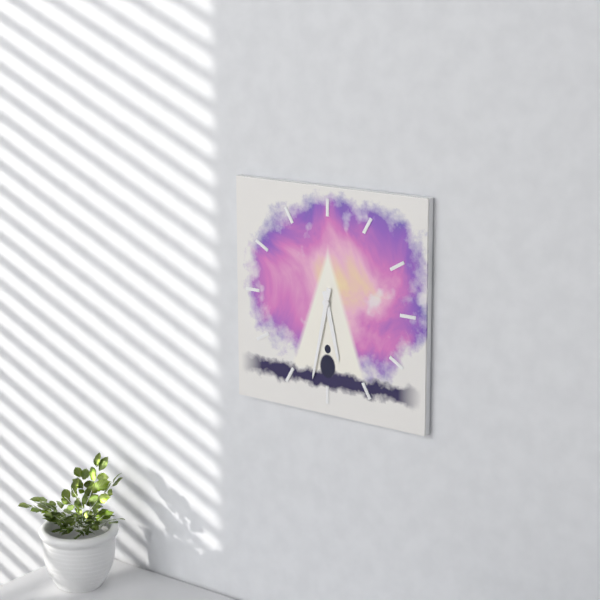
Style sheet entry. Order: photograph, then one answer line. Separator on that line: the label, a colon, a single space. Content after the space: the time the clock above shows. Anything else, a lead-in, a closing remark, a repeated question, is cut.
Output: 5:32
